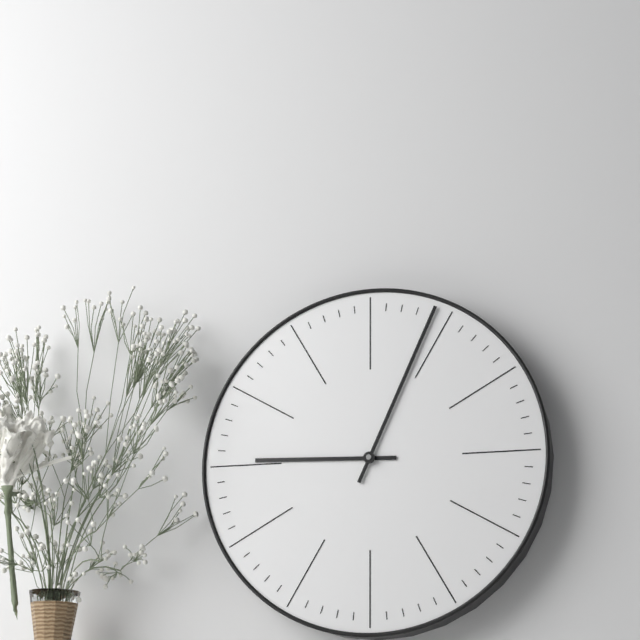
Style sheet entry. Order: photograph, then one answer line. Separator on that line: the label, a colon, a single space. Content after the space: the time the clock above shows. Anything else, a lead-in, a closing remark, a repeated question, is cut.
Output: 9:04
